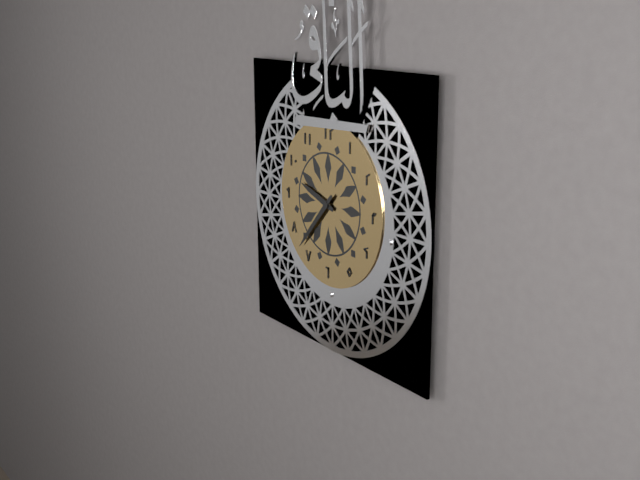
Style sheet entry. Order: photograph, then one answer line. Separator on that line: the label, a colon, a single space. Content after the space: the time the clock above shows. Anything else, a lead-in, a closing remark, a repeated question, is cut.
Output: 9:37
